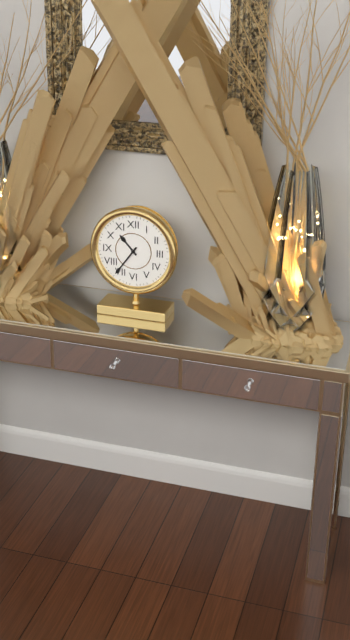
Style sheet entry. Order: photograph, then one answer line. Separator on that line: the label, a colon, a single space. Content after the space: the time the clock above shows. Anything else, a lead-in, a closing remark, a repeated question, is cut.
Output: 10:36
